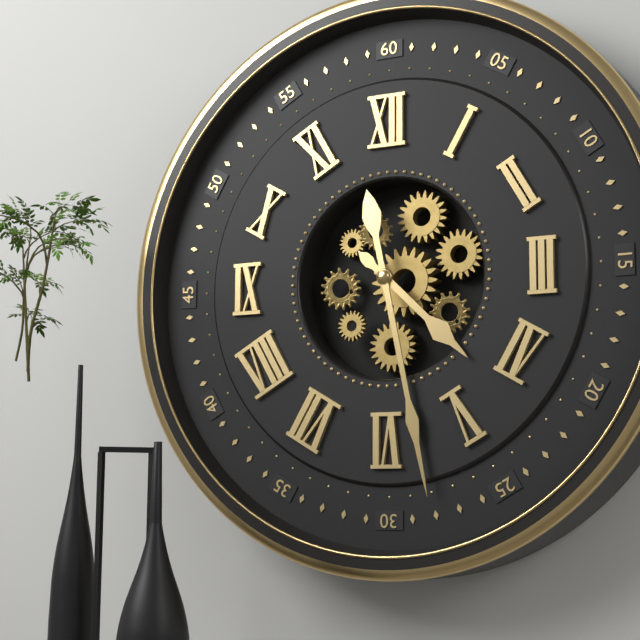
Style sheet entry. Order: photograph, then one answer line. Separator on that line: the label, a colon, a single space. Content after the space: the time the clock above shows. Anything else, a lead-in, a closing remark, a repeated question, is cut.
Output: 4:28
